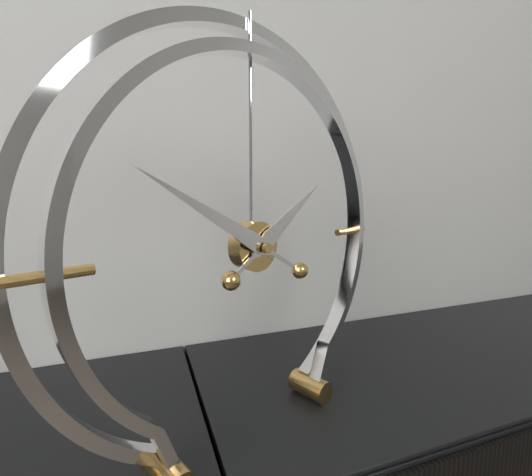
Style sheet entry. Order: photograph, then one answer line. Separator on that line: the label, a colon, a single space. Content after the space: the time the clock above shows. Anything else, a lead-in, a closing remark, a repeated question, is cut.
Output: 1:50
